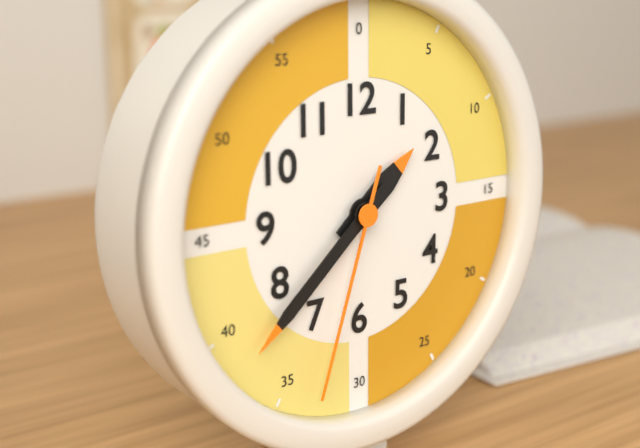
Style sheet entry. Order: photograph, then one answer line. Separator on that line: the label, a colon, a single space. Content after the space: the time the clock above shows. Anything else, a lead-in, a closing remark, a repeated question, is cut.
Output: 1:38:33
